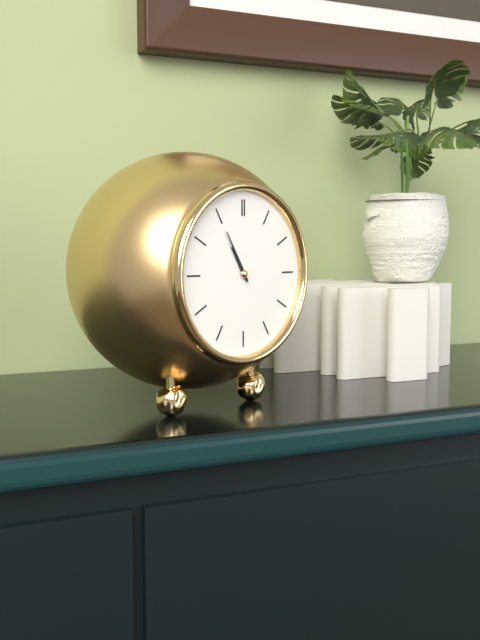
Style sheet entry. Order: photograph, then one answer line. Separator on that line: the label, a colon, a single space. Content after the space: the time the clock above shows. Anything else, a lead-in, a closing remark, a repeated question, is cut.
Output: 10:55
